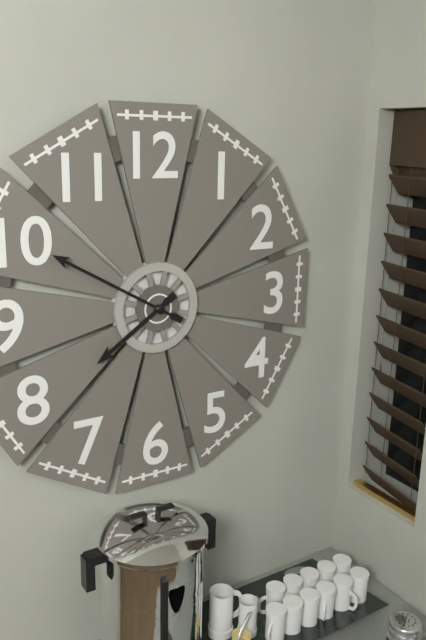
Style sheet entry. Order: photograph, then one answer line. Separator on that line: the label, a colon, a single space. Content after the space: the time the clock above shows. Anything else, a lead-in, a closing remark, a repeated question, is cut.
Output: 7:50
